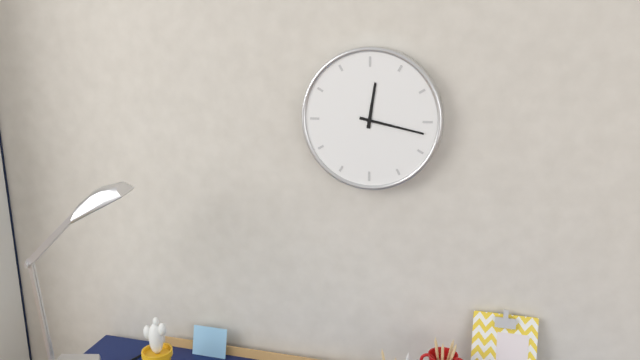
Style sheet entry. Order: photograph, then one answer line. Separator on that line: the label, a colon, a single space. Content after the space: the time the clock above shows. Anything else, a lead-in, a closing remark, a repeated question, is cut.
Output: 12:17
